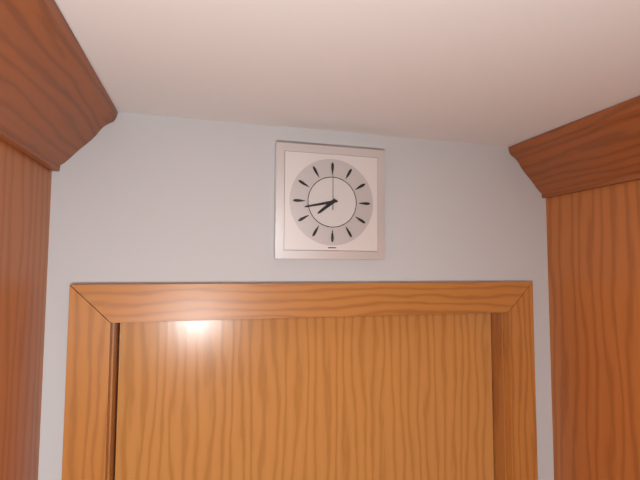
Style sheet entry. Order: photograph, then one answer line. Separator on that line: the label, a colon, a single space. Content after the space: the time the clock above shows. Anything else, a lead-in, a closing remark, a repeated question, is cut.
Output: 7:43
